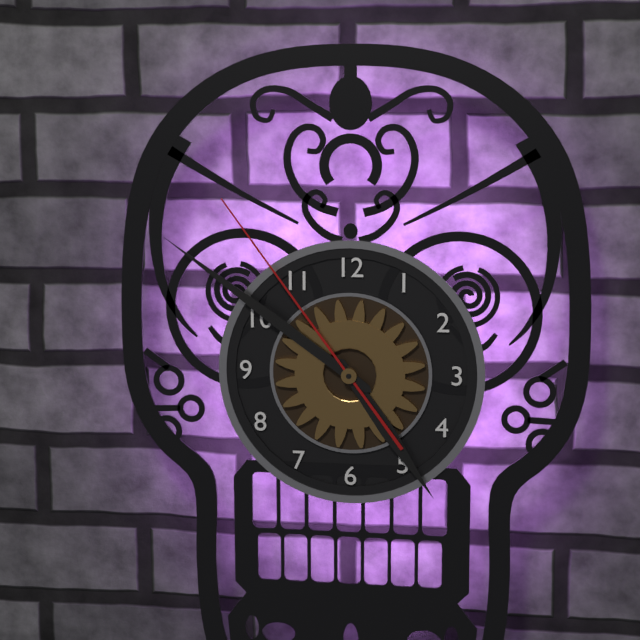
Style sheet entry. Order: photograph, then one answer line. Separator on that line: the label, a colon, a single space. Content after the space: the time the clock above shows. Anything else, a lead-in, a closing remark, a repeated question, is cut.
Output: 4:51:54
